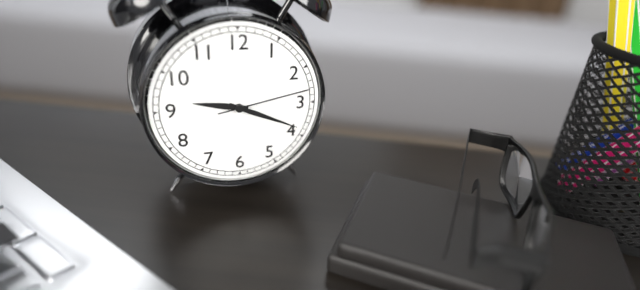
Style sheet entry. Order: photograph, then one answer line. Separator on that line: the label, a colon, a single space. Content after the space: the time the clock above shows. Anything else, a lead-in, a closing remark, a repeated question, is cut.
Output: 9:19:13
